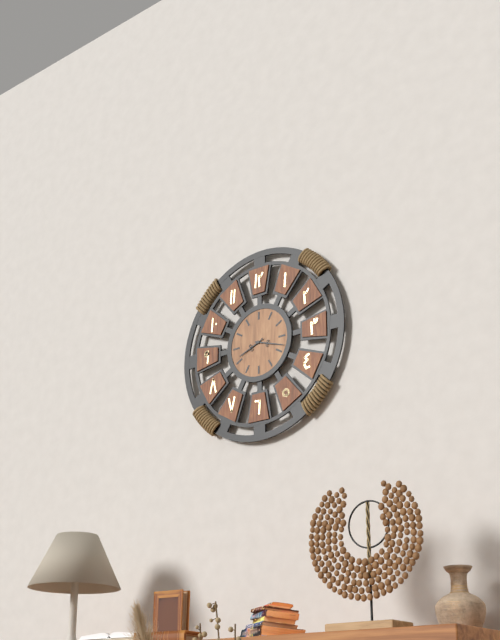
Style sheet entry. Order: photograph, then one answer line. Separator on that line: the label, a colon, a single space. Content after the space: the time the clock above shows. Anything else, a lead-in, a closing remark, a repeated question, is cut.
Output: 8:18
